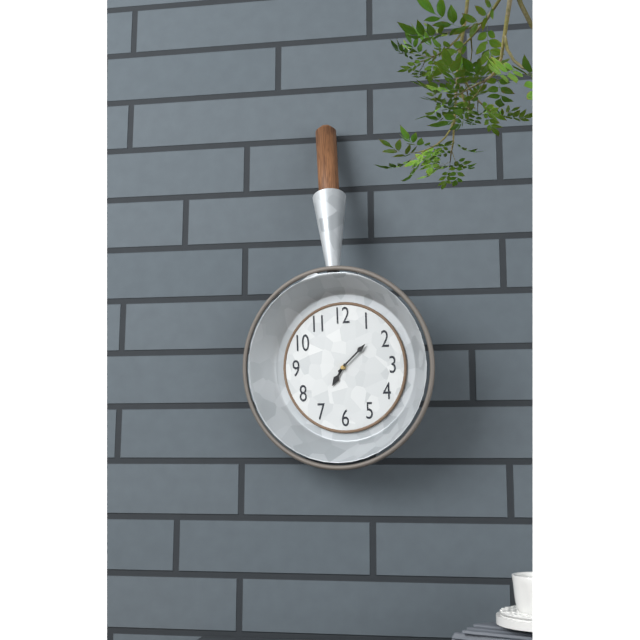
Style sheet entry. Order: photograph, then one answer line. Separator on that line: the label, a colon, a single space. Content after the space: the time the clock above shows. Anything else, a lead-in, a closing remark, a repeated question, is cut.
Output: 7:08
